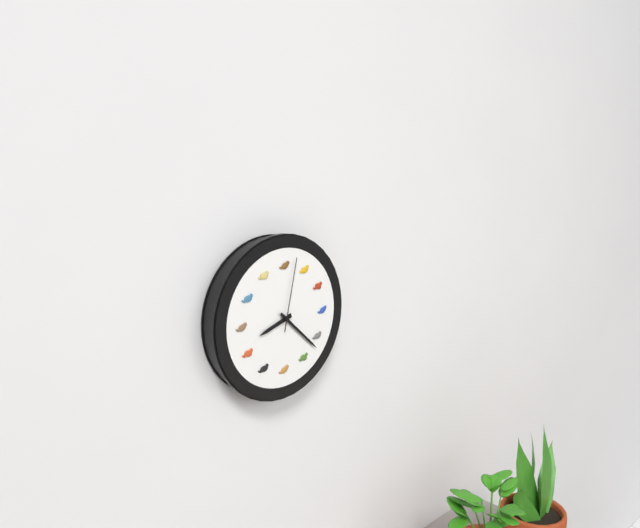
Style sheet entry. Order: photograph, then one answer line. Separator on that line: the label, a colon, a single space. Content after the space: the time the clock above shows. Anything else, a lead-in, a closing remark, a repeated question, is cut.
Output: 8:22:02
